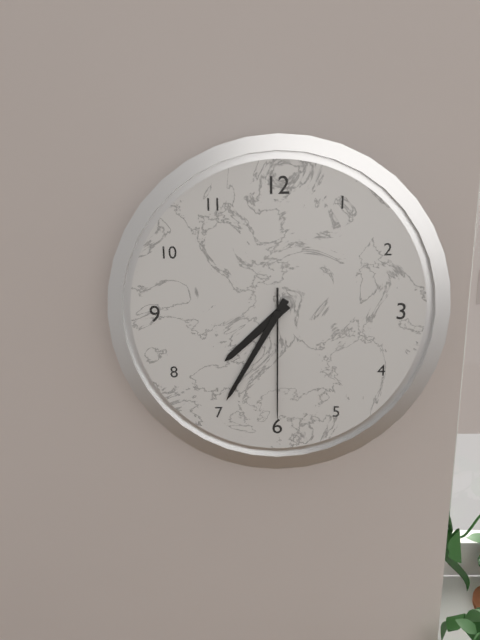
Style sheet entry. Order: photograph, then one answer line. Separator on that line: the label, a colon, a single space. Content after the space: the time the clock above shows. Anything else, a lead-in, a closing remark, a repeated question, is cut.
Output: 7:35:30
